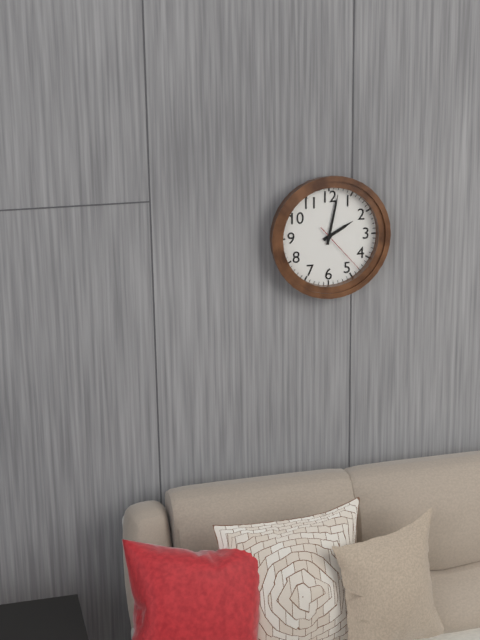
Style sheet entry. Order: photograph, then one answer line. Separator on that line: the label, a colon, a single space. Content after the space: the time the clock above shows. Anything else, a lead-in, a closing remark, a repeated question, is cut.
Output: 2:02:23
